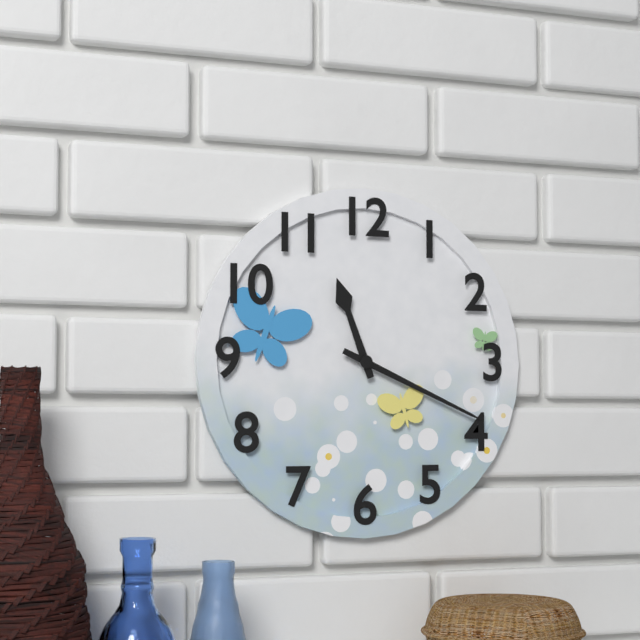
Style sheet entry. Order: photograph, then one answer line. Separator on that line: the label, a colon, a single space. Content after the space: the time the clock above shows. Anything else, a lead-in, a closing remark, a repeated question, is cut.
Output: 11:19
